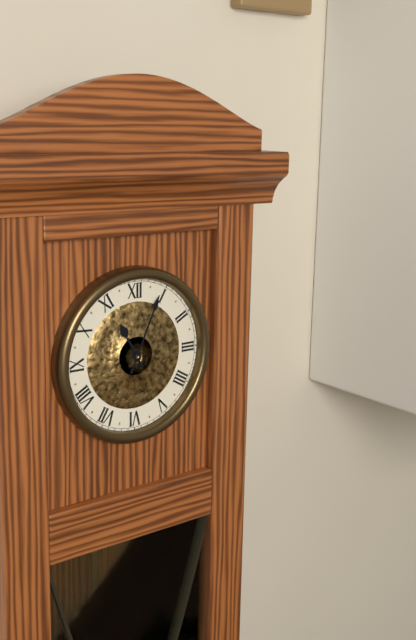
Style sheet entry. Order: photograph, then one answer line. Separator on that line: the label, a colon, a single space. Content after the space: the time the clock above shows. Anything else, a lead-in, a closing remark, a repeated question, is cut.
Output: 11:04
